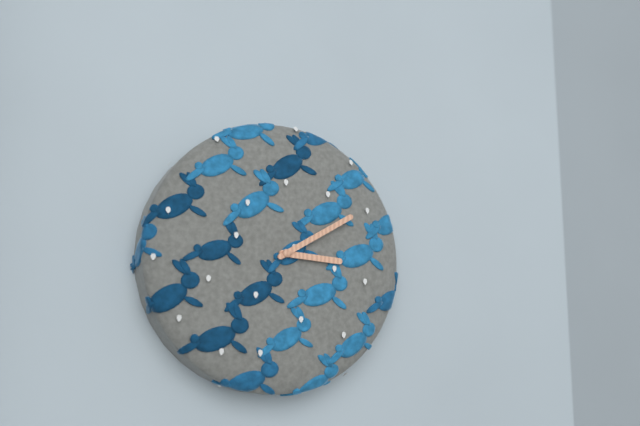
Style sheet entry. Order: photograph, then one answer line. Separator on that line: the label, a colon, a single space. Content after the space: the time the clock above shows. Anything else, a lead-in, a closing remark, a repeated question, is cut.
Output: 3:10
